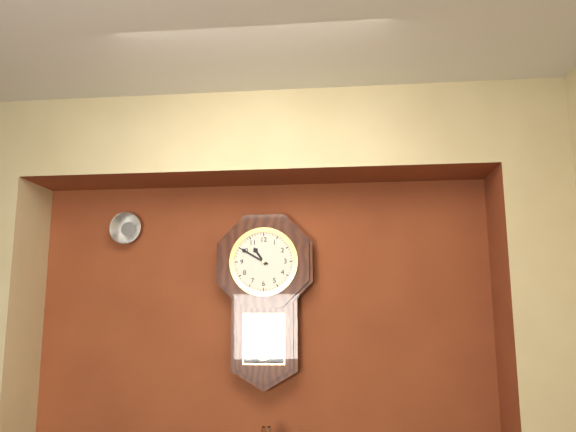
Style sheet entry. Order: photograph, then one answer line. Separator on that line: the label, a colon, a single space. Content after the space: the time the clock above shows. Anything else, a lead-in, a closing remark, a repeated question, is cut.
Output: 10:50
